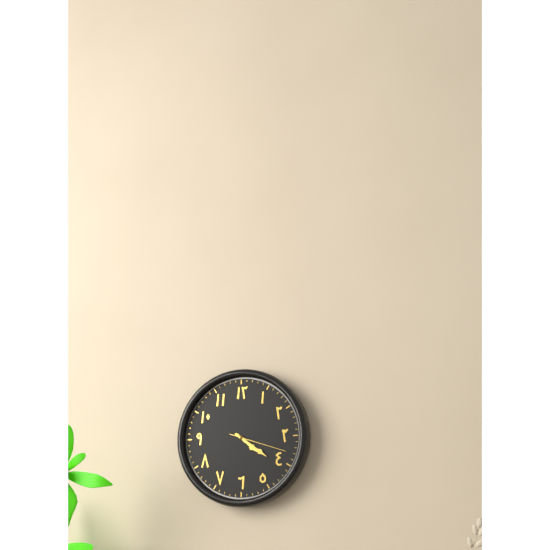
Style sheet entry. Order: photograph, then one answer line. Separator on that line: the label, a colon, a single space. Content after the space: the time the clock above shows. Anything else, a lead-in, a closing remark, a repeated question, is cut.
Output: 4:21:18
